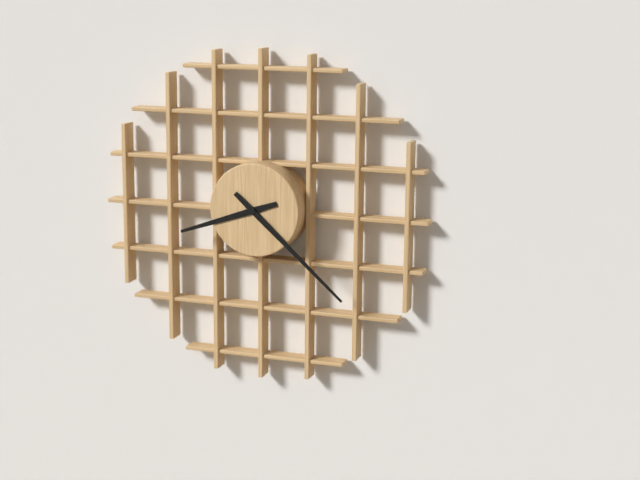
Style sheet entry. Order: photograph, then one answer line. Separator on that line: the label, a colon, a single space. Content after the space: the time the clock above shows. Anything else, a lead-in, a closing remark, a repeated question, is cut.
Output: 8:22
